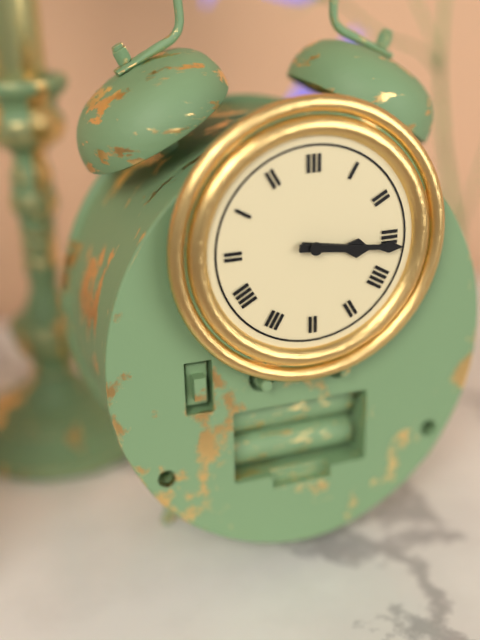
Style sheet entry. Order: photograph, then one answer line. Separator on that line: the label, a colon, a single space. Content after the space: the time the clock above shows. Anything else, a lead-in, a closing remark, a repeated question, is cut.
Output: 3:16
